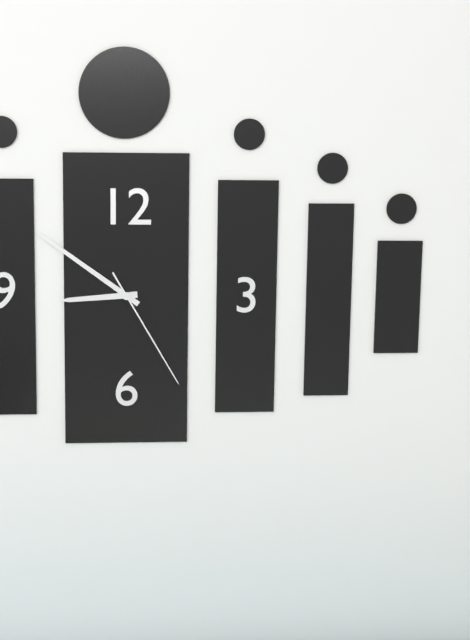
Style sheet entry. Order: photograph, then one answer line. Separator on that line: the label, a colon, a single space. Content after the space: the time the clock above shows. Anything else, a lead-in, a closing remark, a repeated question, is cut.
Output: 8:51:25
